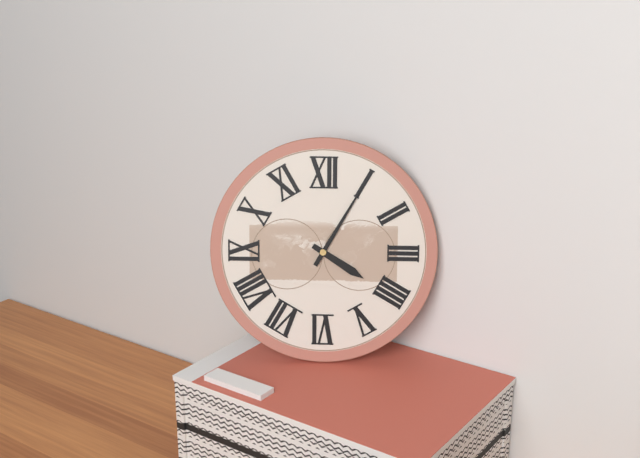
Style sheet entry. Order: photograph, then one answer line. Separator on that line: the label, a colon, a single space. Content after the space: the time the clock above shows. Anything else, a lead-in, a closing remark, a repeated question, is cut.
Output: 4:05
